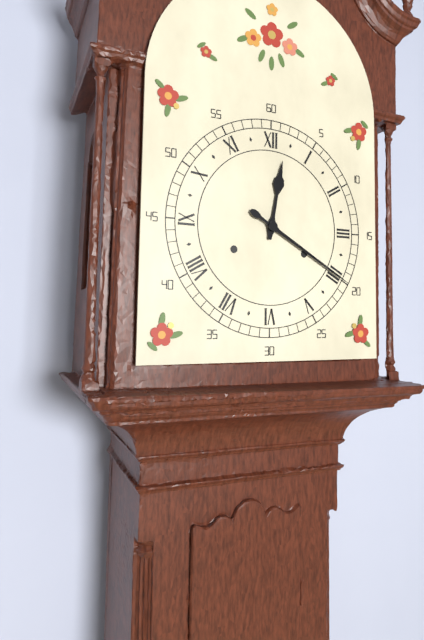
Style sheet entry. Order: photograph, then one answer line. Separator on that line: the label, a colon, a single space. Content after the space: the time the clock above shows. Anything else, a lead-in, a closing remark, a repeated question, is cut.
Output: 12:20
